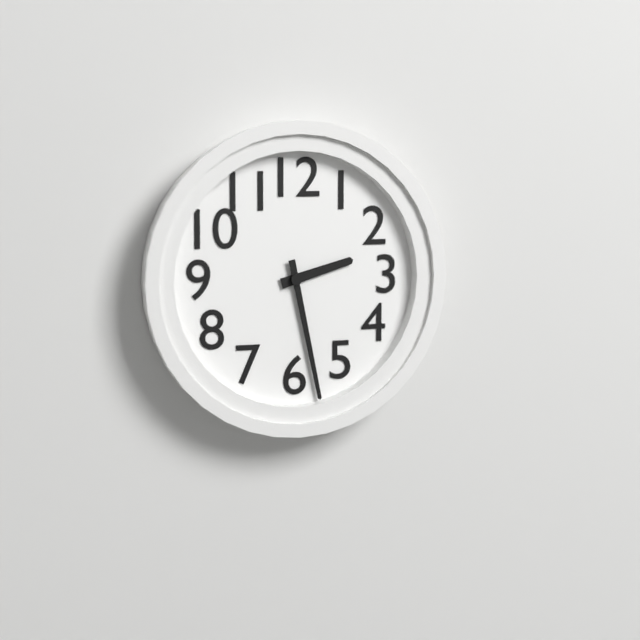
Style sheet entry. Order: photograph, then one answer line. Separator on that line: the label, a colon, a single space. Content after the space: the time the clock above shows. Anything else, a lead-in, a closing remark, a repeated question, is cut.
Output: 2:28
